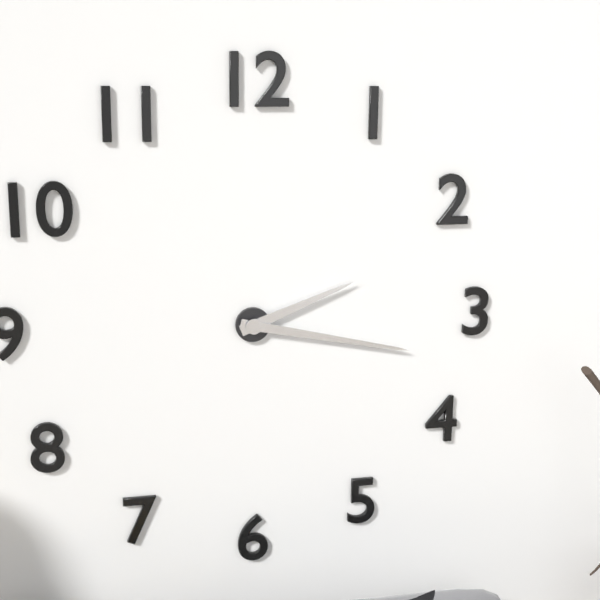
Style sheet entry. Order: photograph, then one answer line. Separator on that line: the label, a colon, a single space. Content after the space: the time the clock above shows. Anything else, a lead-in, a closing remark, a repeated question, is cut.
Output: 2:17
